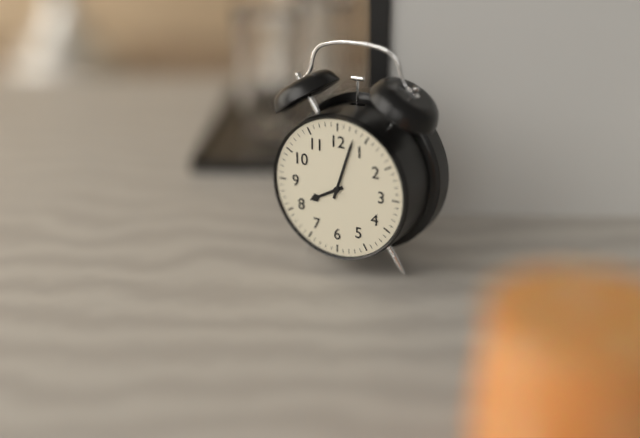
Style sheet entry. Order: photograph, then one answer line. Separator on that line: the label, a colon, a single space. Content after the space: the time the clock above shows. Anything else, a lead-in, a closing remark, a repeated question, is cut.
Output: 8:03
